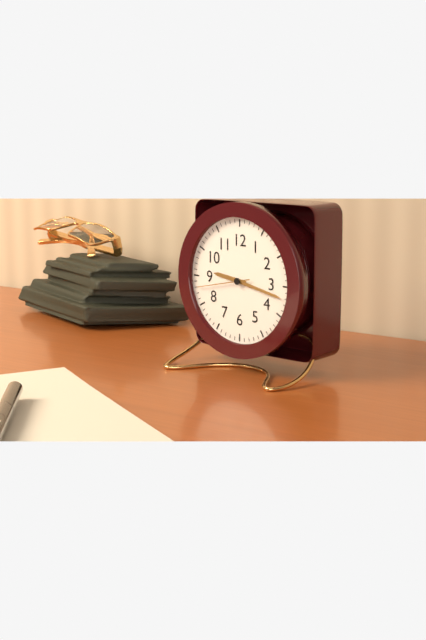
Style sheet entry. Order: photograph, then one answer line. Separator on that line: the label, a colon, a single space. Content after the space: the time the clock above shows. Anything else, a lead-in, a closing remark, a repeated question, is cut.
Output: 9:17:43
